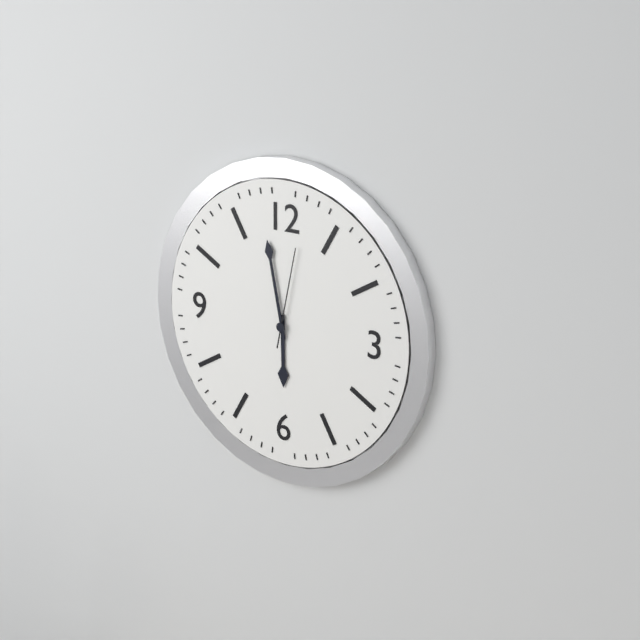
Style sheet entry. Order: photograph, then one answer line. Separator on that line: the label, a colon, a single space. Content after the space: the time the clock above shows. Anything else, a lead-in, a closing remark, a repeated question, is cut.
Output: 5:58:02
